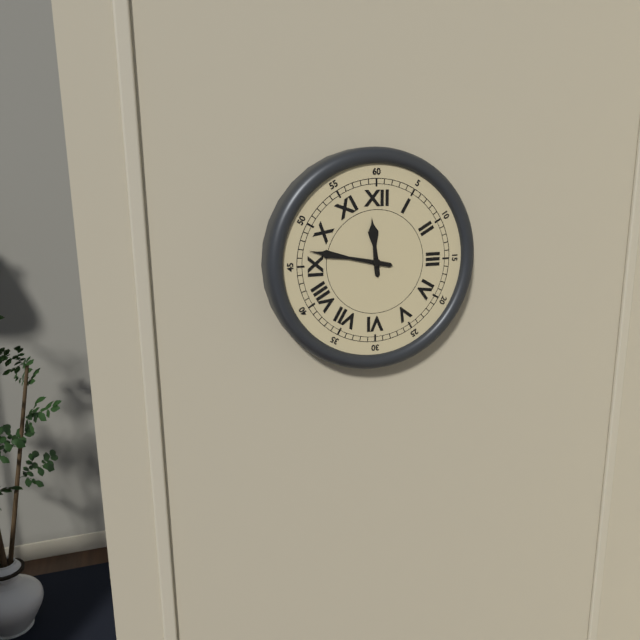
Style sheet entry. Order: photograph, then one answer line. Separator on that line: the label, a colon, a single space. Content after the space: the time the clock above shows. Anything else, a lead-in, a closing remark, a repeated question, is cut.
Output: 11:47
